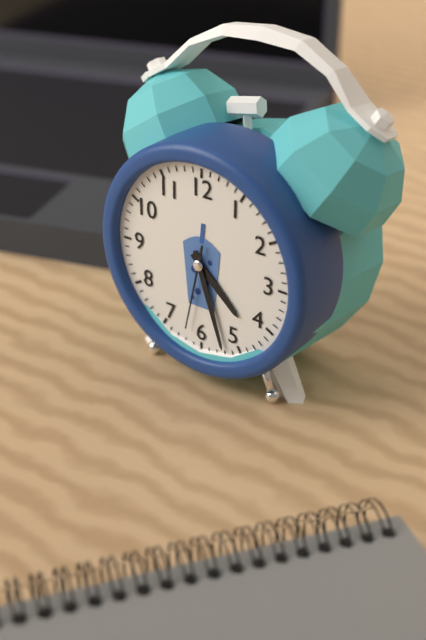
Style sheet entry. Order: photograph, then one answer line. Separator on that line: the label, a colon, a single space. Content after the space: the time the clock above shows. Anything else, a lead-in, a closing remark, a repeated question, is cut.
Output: 4:27:32
